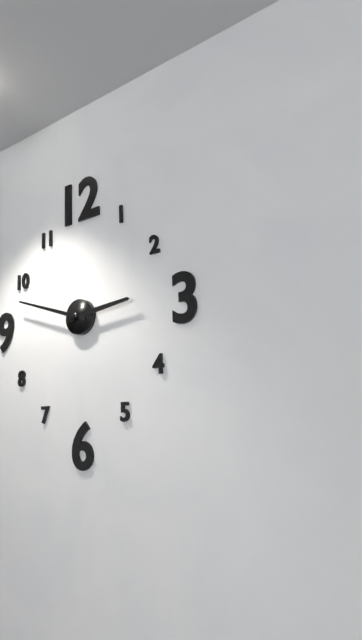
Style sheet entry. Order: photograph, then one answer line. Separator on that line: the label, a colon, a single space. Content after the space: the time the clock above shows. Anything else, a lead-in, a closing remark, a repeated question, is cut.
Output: 2:48
